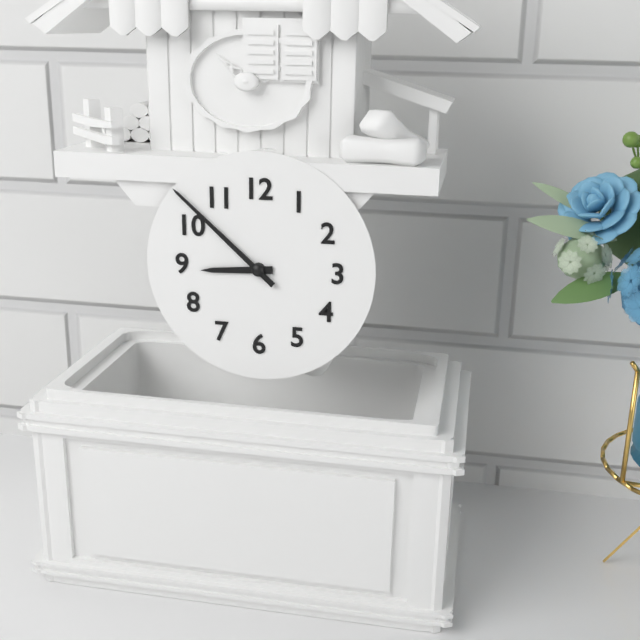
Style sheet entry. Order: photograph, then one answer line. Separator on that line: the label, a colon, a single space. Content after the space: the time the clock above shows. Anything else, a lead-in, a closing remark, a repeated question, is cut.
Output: 8:52
